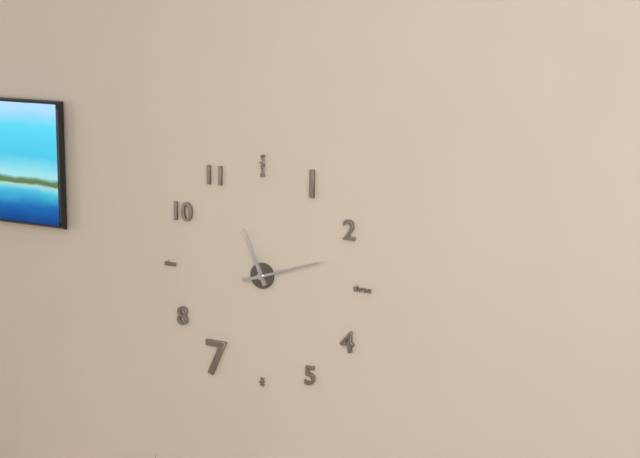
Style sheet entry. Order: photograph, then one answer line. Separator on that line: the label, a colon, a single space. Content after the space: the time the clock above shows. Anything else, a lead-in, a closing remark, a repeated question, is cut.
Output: 11:12
